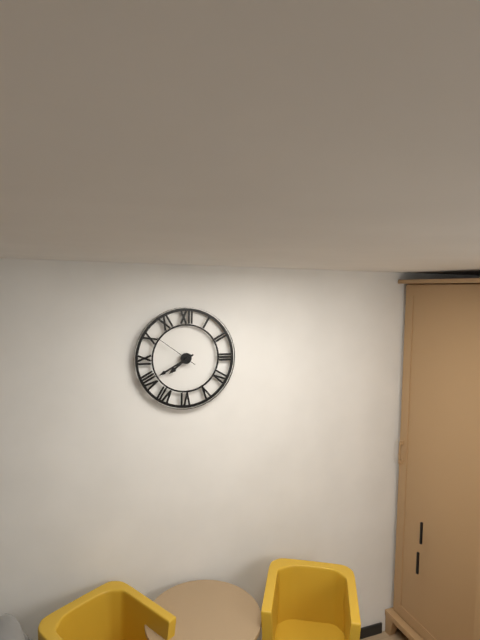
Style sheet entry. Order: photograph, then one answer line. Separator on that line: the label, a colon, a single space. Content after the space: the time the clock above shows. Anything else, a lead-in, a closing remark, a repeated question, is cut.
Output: 7:40
